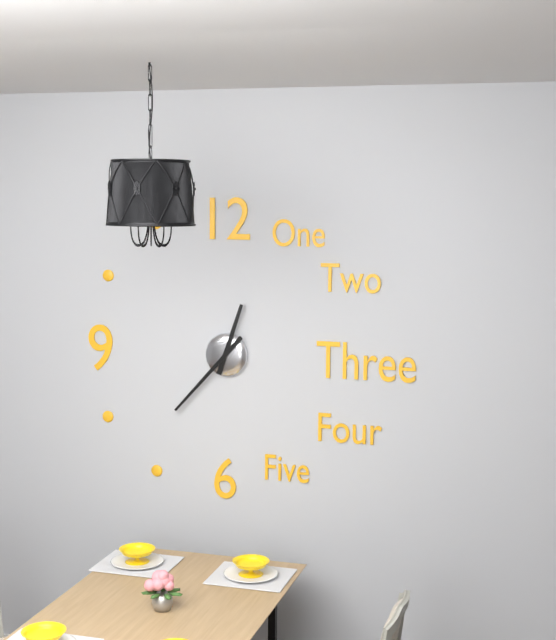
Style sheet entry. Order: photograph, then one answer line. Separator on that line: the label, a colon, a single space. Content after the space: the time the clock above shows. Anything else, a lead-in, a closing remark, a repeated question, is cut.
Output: 12:37
